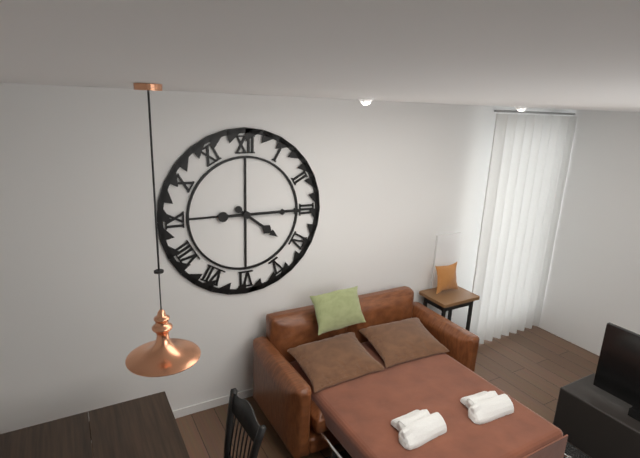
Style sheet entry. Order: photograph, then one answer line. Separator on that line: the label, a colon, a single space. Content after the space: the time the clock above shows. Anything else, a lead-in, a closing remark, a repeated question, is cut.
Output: 4:15
